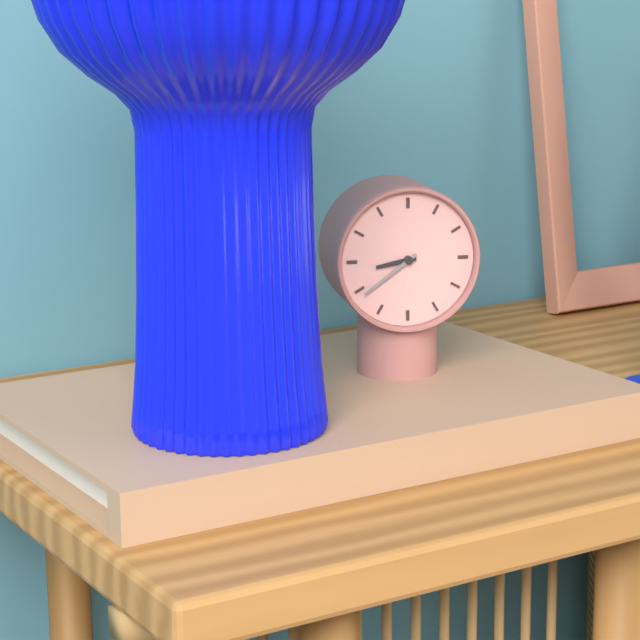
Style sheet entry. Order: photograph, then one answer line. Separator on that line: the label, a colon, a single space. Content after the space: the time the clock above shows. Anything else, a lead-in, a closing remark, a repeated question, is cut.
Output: 8:39
